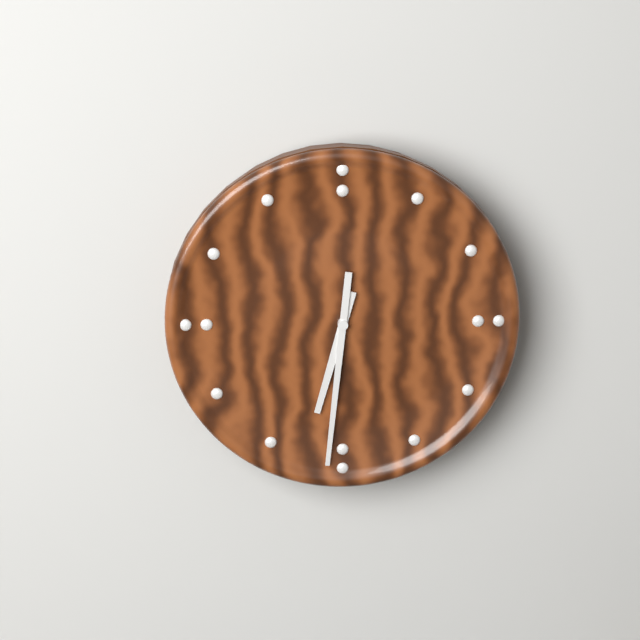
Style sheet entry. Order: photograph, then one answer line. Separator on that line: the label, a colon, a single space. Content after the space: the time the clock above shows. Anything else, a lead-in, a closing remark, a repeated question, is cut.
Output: 6:31
